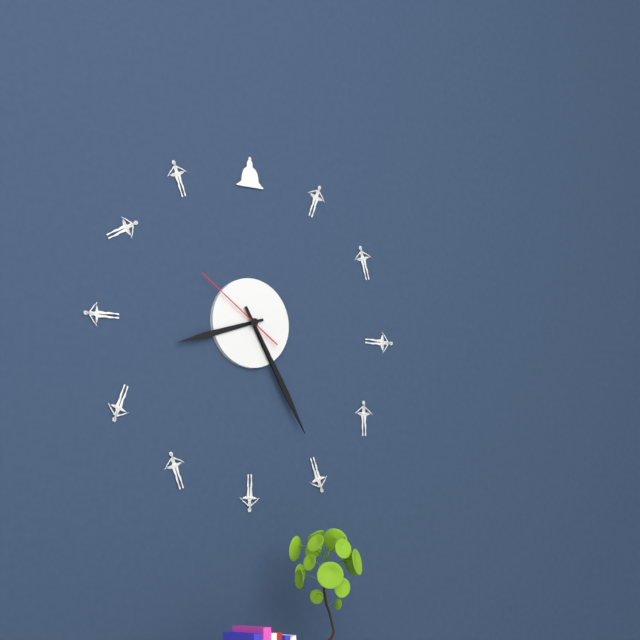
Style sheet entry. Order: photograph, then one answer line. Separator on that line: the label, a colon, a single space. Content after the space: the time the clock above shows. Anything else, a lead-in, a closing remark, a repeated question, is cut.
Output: 8:25:51
